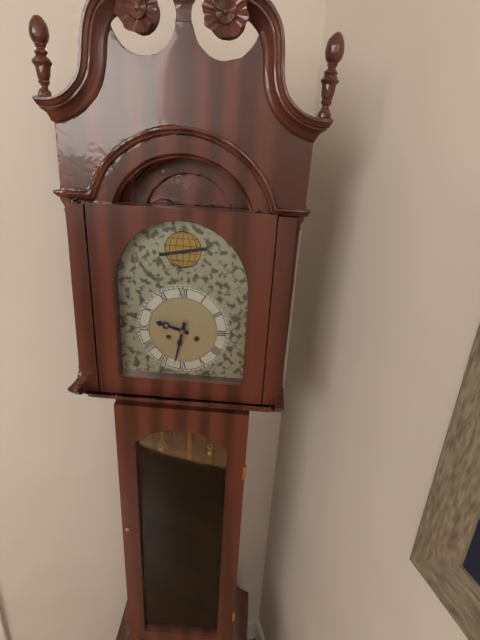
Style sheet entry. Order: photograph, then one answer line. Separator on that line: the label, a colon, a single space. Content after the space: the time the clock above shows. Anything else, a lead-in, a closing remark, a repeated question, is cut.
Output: 9:32
